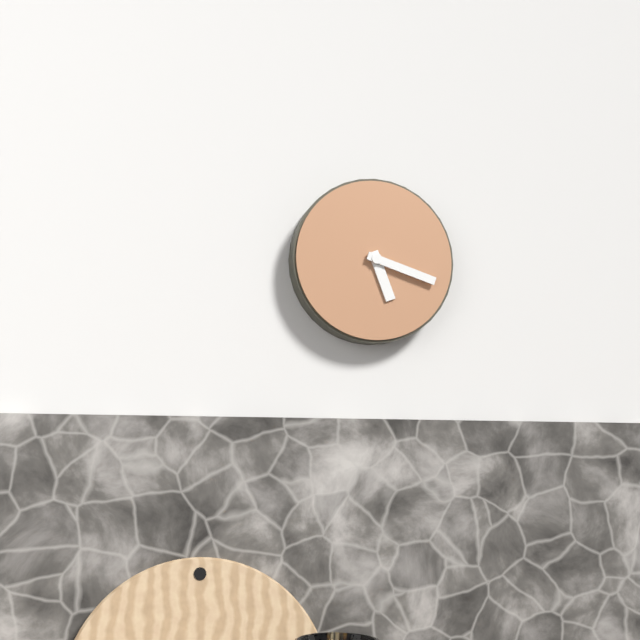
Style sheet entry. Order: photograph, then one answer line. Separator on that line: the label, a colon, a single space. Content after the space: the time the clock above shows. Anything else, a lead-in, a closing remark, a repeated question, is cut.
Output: 5:18
